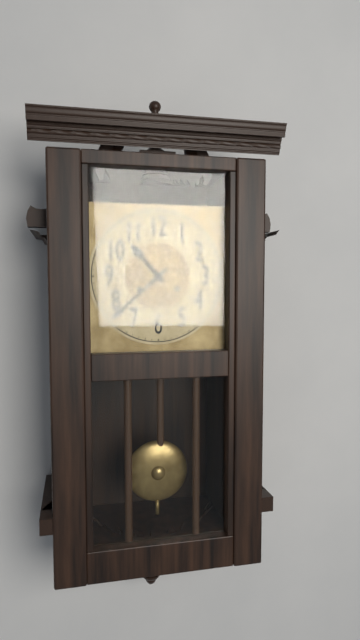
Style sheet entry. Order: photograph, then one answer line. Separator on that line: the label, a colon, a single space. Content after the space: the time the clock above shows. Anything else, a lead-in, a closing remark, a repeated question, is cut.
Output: 10:38
